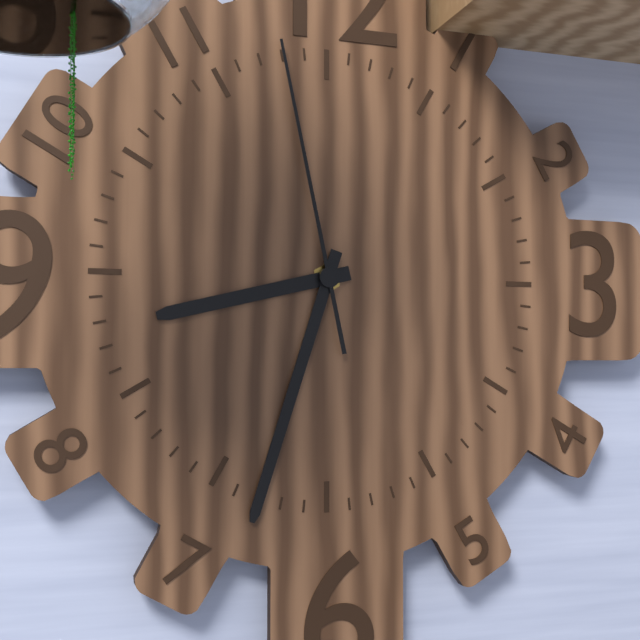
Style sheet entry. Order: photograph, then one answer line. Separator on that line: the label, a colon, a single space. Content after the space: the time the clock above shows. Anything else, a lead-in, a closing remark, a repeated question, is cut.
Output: 8:33:58
